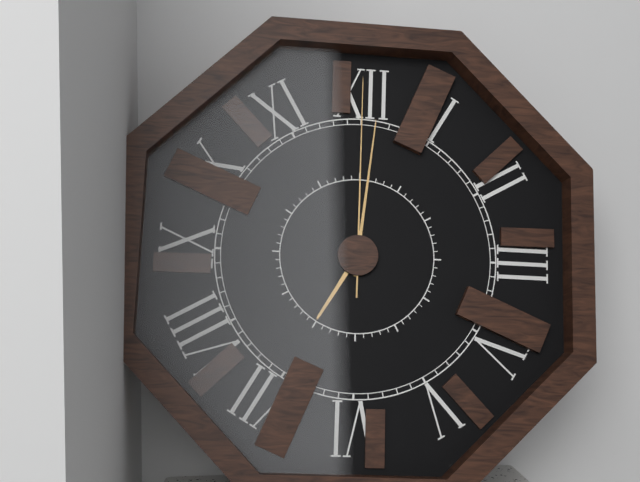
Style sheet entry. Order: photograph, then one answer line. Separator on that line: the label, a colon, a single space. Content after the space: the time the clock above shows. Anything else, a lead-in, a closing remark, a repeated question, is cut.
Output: 7:01:00
